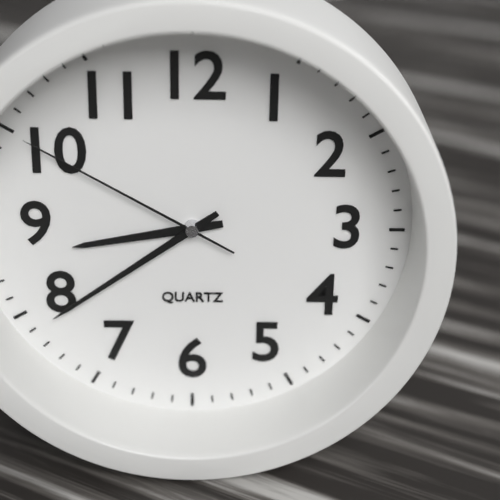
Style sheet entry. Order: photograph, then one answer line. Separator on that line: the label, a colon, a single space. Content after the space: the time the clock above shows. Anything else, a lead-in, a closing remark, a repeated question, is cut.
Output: 8:39:50
